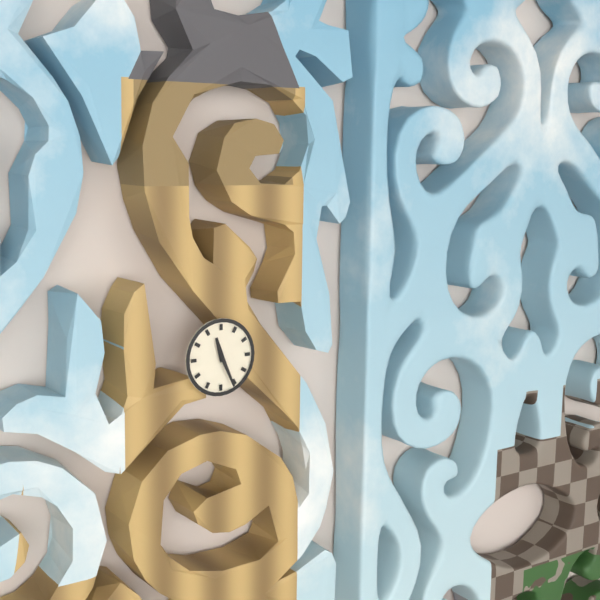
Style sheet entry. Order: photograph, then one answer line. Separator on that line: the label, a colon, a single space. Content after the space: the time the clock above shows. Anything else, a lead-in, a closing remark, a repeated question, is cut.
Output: 11:26
